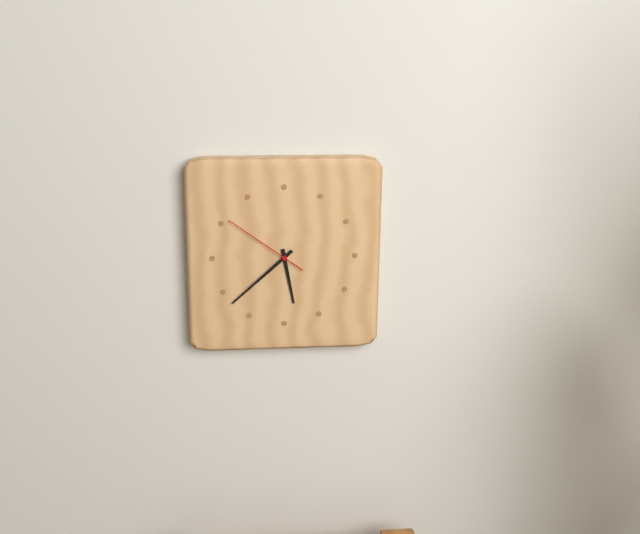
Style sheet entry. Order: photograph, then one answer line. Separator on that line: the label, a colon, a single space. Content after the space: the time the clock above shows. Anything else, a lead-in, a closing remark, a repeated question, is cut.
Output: 5:38:51
